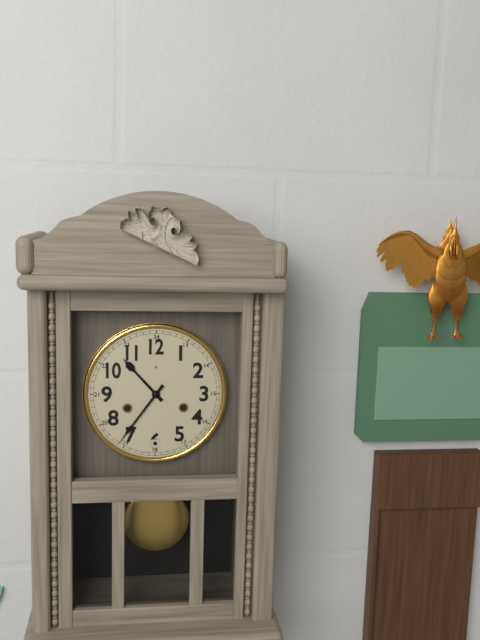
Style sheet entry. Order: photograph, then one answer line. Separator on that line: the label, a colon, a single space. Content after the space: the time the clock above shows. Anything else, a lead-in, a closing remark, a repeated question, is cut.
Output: 10:36
